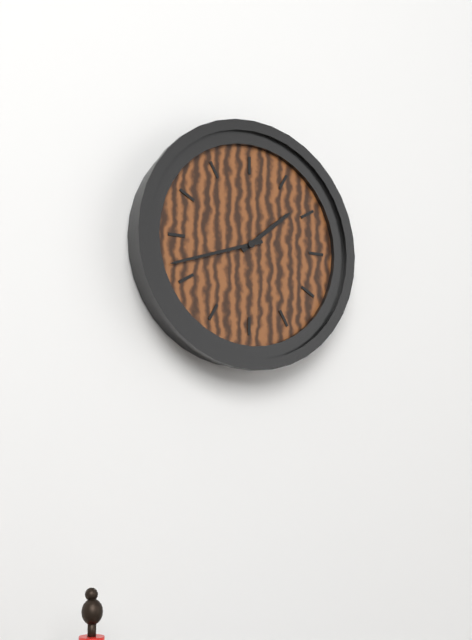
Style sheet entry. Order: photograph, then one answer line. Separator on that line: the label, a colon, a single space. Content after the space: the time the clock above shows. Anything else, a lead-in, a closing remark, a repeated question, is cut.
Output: 1:42
